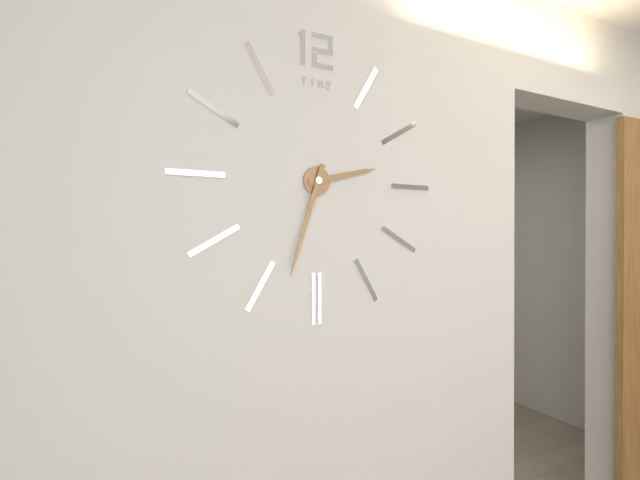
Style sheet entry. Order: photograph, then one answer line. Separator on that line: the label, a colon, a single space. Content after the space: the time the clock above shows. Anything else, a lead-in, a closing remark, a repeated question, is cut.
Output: 2:33
